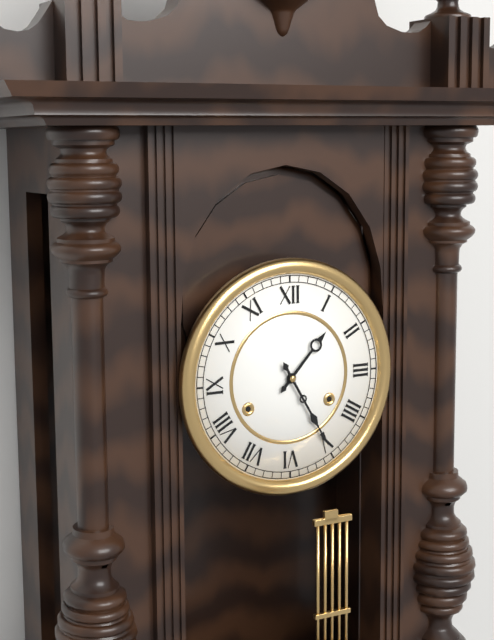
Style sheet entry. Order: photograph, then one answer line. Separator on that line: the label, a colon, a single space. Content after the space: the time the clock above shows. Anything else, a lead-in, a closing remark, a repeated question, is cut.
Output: 1:25
